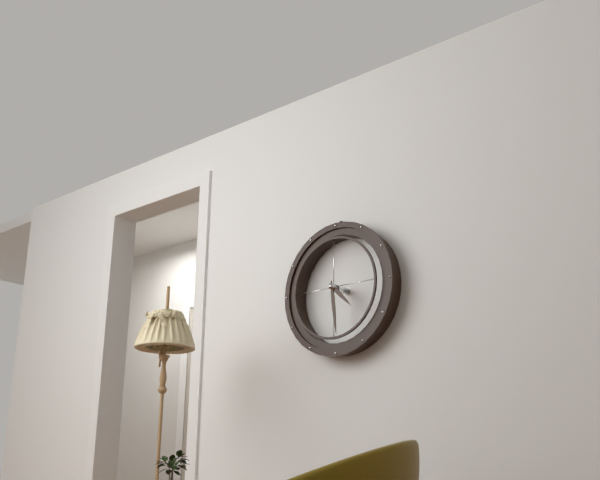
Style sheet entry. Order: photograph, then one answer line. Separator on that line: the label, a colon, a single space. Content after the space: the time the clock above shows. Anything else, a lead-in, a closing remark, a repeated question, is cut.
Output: 4:29
